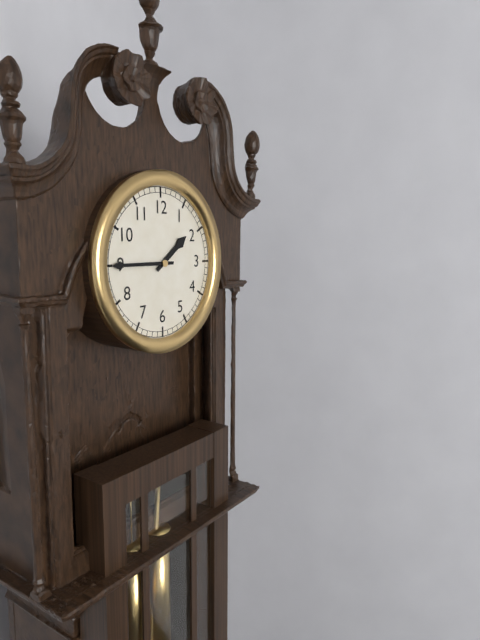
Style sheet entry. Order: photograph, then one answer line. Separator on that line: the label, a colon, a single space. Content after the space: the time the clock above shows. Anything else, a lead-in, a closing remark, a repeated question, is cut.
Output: 1:45
